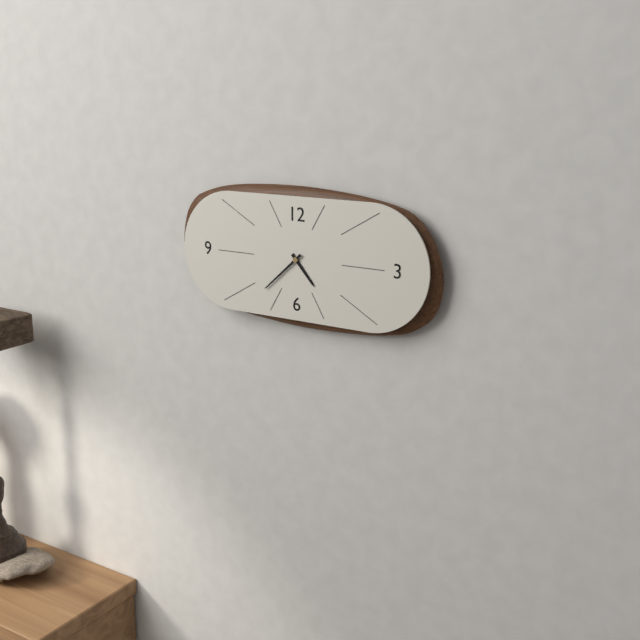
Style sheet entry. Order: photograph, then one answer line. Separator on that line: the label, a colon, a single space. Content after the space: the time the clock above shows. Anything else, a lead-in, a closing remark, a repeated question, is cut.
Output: 4:38
